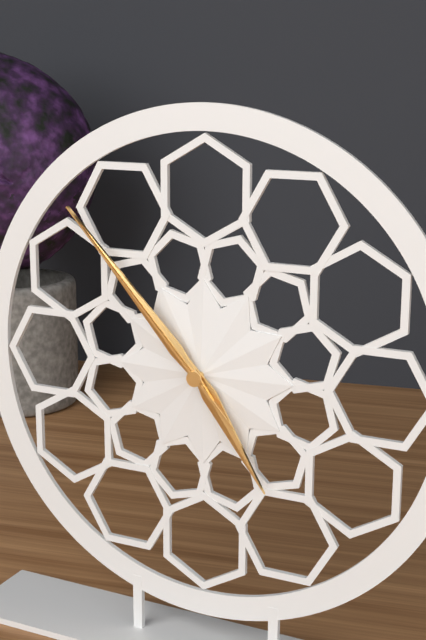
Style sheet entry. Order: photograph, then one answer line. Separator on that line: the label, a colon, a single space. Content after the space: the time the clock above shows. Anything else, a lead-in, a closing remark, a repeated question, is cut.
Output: 4:53:53
